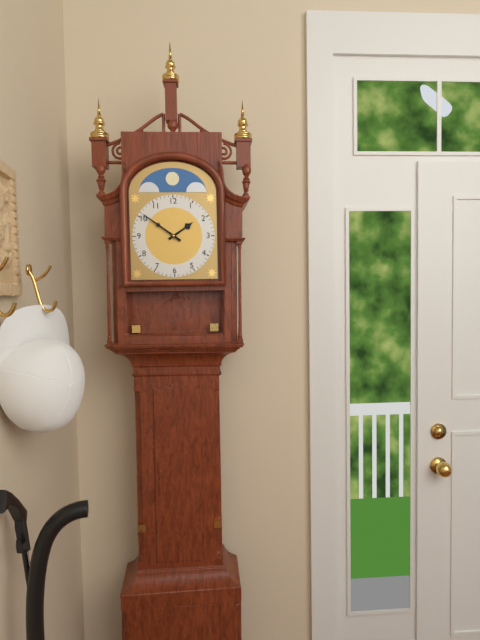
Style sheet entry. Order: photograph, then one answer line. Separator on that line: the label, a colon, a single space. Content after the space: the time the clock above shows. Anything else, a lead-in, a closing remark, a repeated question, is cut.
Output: 1:51
